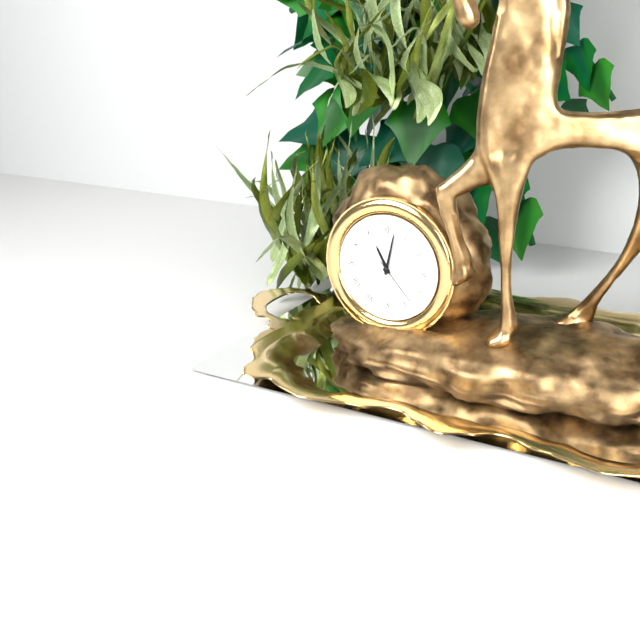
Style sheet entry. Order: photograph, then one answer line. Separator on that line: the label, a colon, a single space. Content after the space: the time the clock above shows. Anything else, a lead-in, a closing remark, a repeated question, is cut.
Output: 11:02:23
